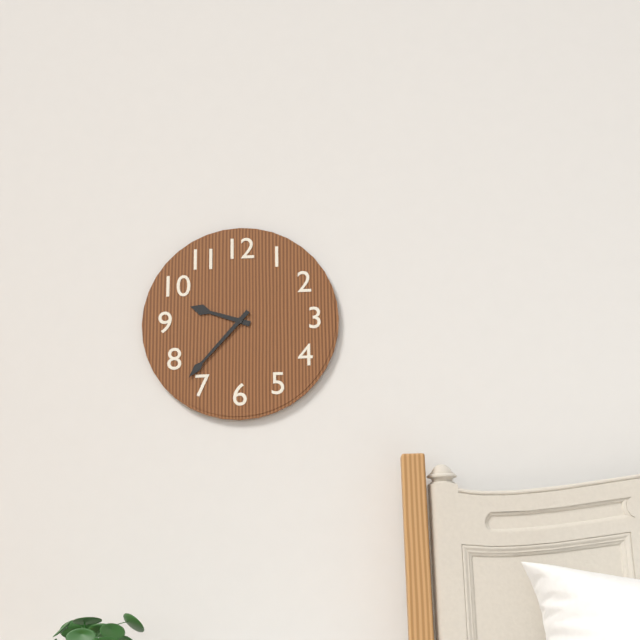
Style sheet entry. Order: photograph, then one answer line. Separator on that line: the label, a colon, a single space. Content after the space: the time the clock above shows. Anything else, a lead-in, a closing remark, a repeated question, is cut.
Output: 9:37
